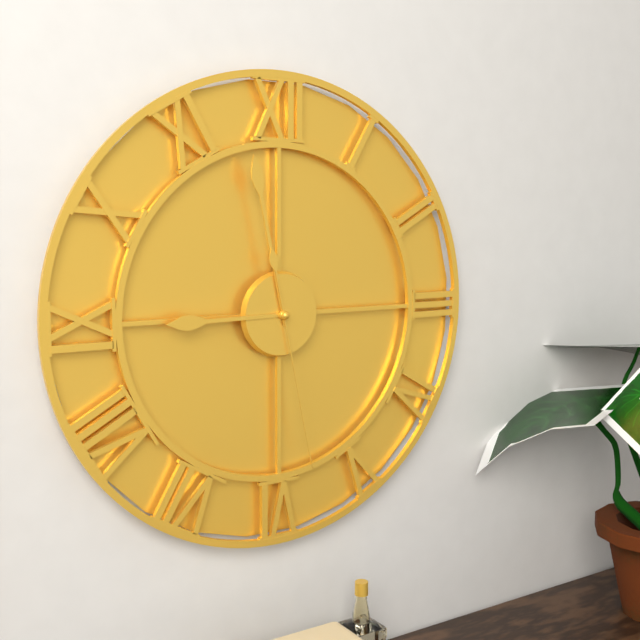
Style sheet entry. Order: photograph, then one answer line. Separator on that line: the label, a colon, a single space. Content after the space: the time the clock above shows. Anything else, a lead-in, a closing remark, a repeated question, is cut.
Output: 8:58:28
